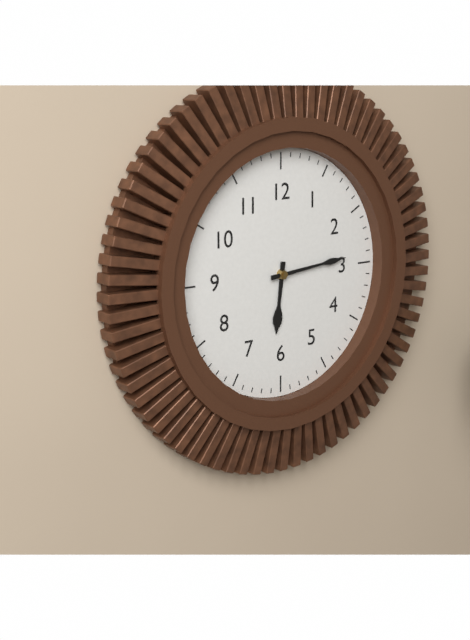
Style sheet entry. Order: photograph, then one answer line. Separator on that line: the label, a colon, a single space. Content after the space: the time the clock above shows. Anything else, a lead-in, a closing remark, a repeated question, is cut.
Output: 6:14
